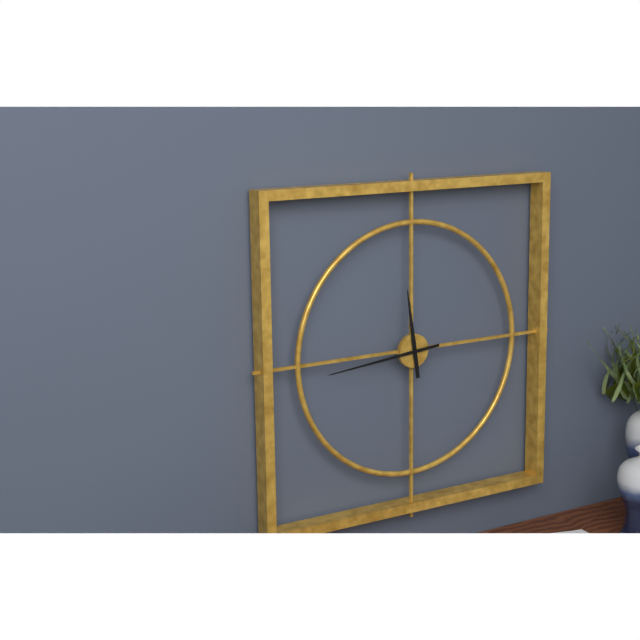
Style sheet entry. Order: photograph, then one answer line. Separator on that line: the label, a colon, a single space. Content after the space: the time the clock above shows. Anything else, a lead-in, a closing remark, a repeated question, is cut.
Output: 11:44
